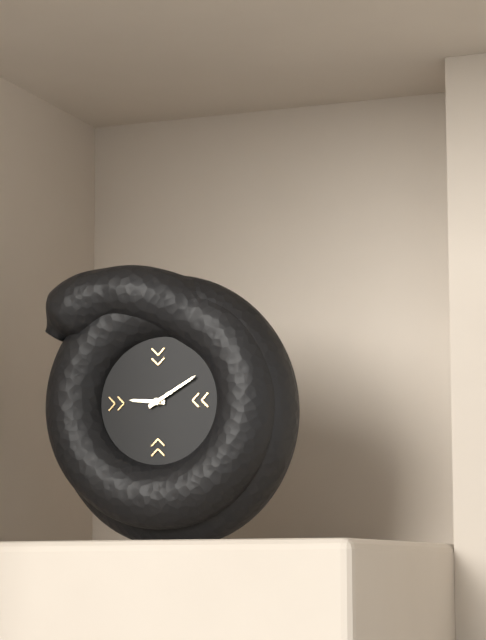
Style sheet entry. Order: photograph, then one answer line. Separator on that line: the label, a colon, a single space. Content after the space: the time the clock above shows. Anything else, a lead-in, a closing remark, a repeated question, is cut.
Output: 9:10
